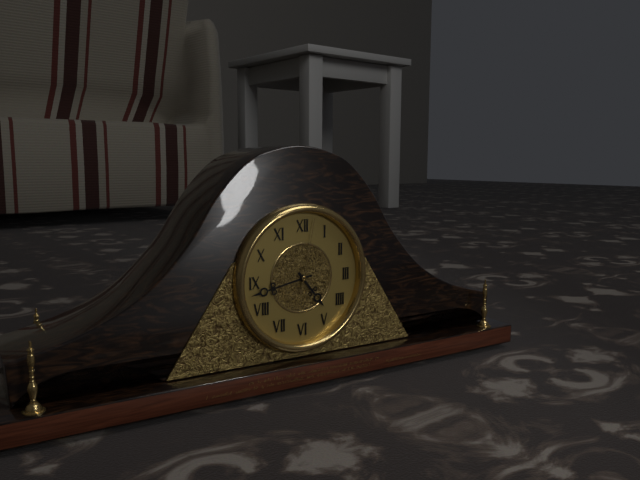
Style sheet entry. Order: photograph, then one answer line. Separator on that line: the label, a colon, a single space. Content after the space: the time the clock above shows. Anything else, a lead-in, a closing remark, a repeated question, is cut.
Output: 4:43:02
